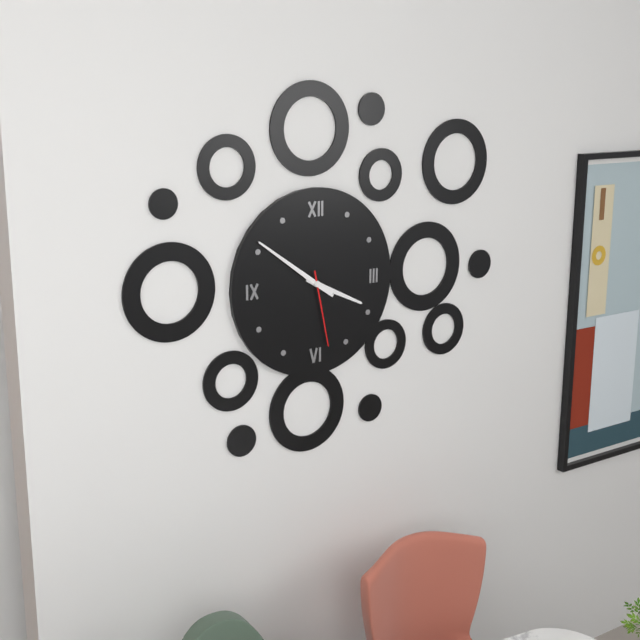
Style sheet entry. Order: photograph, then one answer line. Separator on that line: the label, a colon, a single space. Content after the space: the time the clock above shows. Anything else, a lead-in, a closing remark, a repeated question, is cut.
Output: 3:51:28
